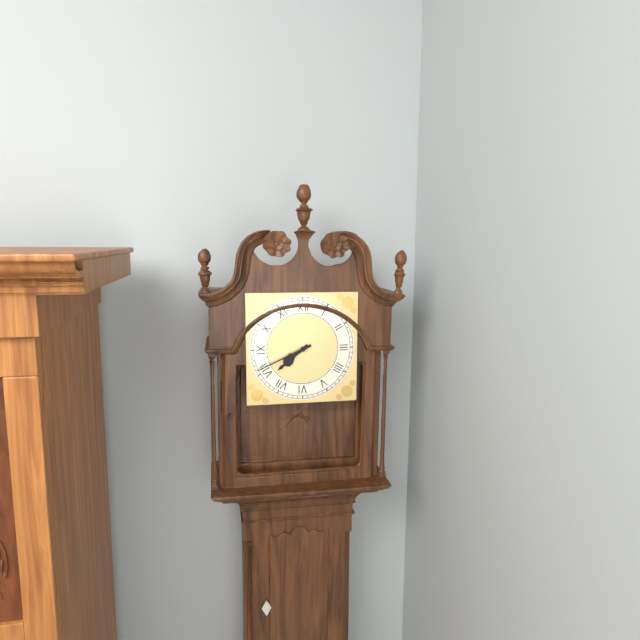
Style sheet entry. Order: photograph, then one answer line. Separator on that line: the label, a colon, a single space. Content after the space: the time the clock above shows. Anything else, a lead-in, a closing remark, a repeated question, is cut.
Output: 7:41
